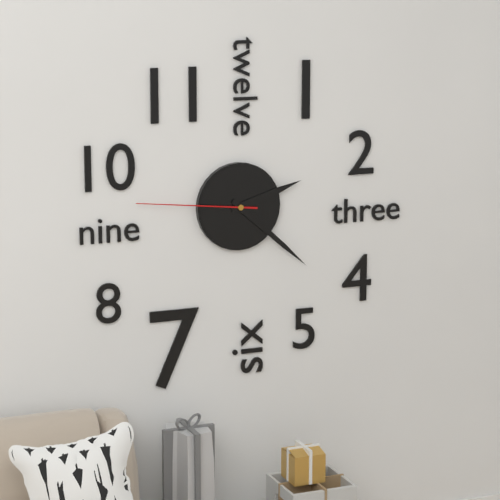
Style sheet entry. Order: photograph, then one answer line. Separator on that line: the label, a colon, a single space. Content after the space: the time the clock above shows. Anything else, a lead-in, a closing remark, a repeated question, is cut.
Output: 2:22:46
